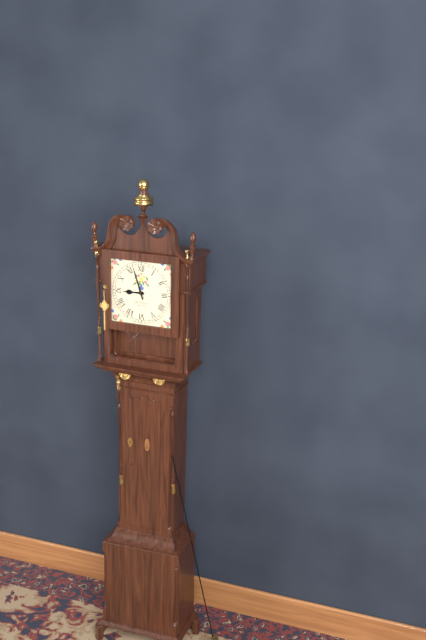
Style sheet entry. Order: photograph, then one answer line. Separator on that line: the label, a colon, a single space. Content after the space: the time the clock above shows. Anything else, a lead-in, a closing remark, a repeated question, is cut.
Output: 8:57
